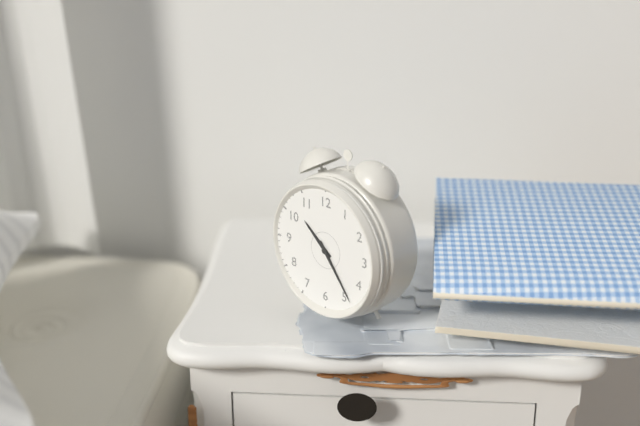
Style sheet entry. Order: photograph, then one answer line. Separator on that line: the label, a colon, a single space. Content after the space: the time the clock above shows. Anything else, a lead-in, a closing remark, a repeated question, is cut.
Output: 10:24
